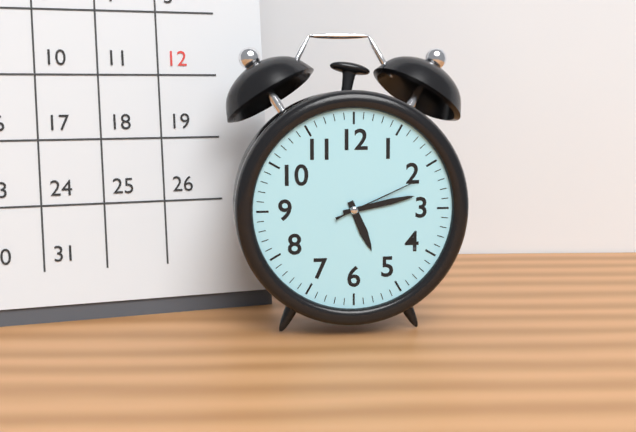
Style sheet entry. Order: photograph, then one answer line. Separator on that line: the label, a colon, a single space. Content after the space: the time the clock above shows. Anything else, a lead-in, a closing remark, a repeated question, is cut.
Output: 5:13:11
